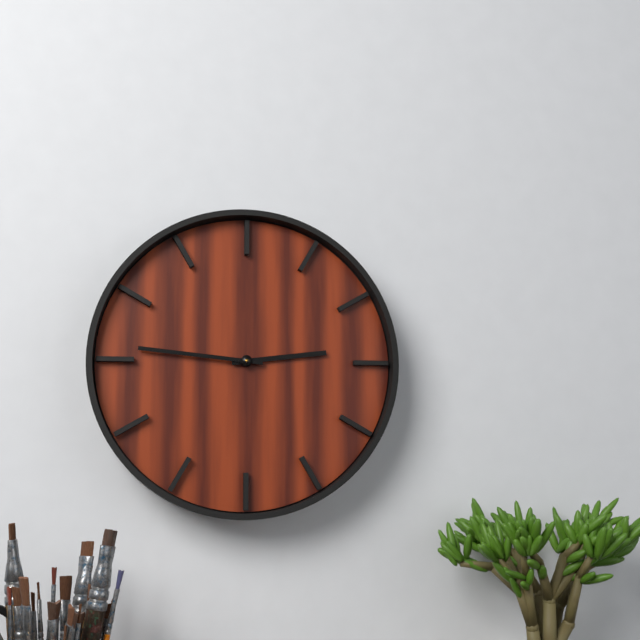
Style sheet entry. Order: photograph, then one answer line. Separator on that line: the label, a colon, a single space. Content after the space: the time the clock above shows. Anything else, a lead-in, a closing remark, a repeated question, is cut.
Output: 2:46
